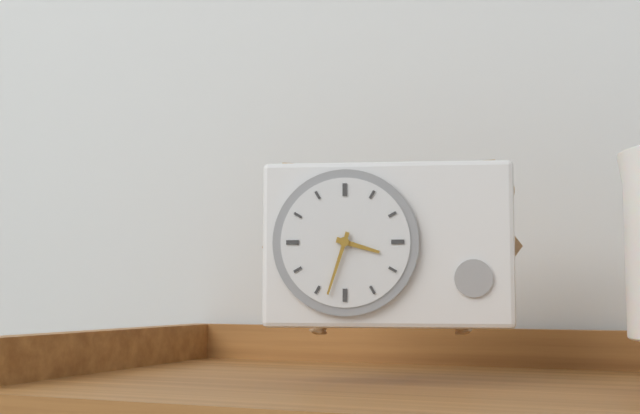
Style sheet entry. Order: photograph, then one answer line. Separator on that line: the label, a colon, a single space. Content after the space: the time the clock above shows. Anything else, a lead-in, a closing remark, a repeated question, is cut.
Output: 3:33
